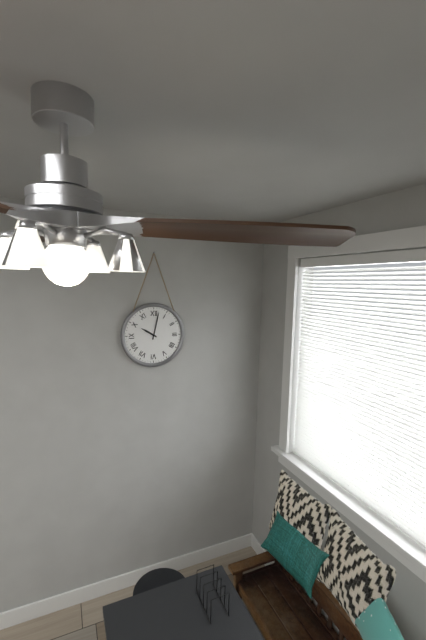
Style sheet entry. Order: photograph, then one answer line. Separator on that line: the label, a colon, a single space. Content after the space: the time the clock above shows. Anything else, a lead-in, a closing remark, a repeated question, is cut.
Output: 10:02
